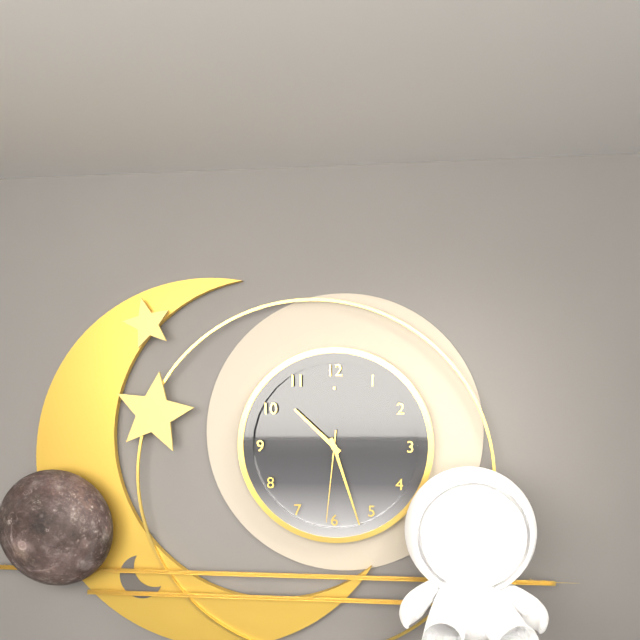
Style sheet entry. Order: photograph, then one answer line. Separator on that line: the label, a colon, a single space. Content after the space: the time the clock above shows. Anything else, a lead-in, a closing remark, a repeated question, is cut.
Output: 10:27:31
